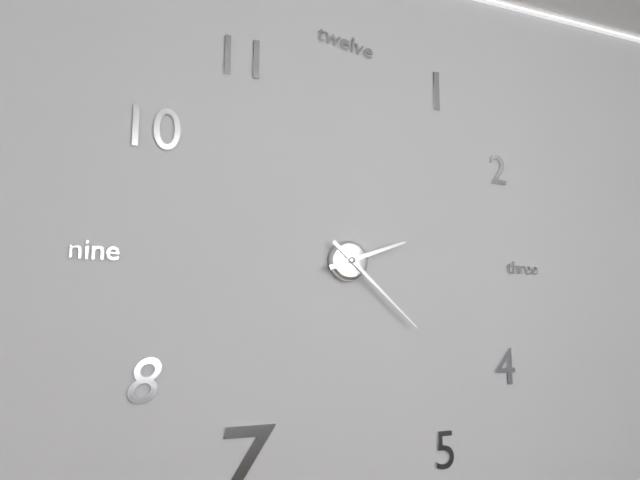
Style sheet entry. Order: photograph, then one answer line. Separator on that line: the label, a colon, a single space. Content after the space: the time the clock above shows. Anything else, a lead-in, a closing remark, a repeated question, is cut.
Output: 2:22
